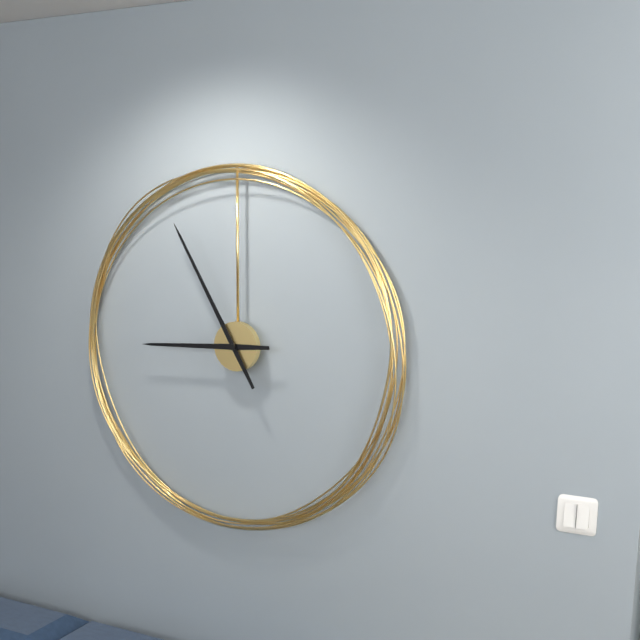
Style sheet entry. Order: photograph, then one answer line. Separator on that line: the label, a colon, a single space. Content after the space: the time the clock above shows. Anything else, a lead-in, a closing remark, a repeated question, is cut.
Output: 8:55
